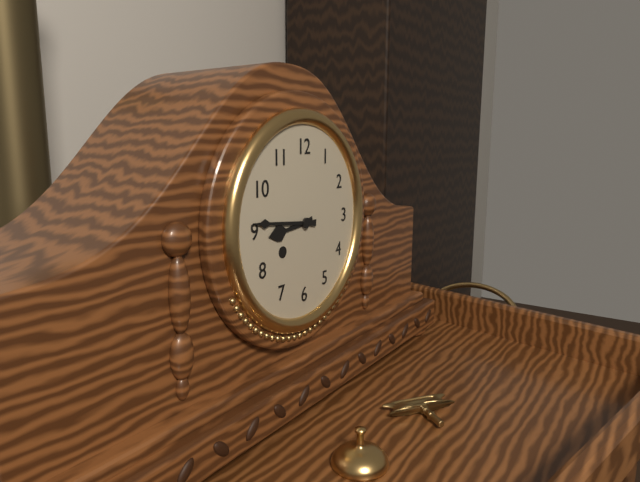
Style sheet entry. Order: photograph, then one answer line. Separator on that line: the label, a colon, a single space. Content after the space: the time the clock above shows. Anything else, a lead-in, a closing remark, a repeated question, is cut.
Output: 8:46
